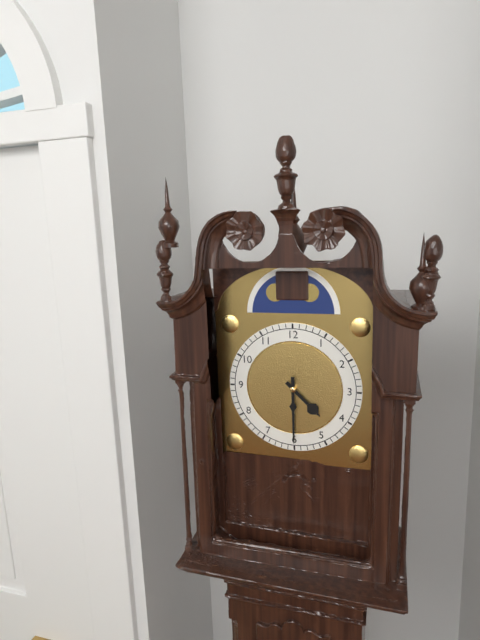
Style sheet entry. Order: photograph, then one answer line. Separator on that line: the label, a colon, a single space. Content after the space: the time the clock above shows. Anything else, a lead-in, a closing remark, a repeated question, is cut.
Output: 4:30
